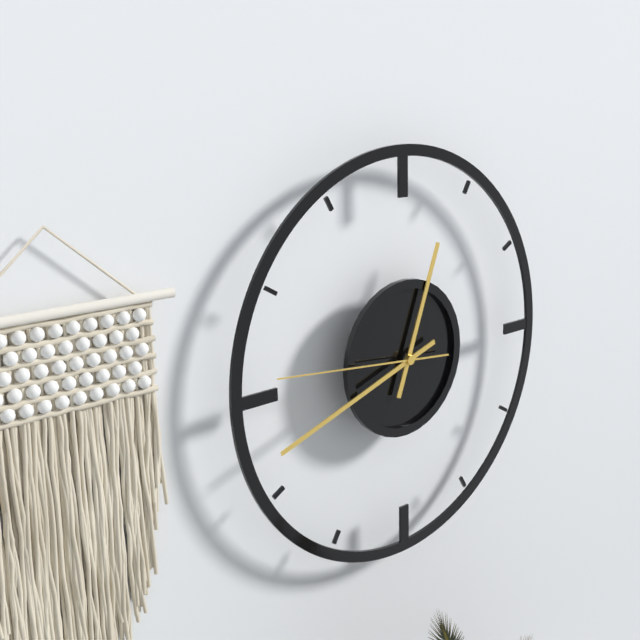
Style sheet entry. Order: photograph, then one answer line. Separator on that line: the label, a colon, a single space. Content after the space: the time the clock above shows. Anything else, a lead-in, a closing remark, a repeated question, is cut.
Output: 12:42:46
